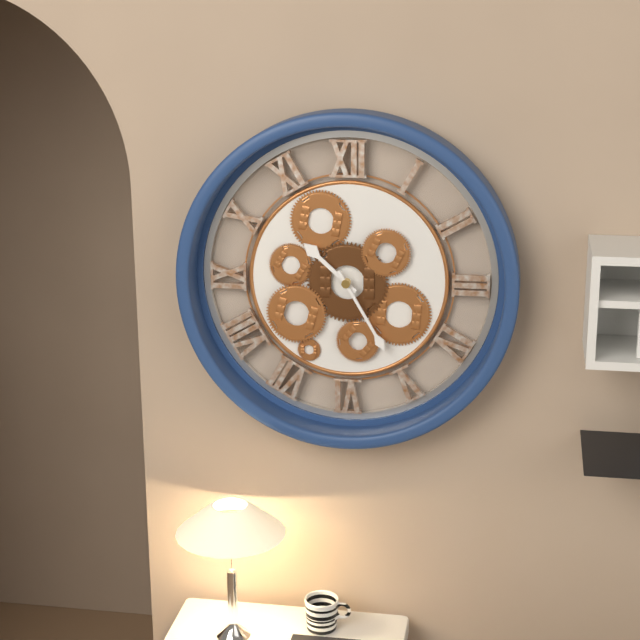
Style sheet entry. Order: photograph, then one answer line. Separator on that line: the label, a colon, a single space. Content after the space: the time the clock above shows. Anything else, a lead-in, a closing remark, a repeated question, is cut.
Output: 10:25
